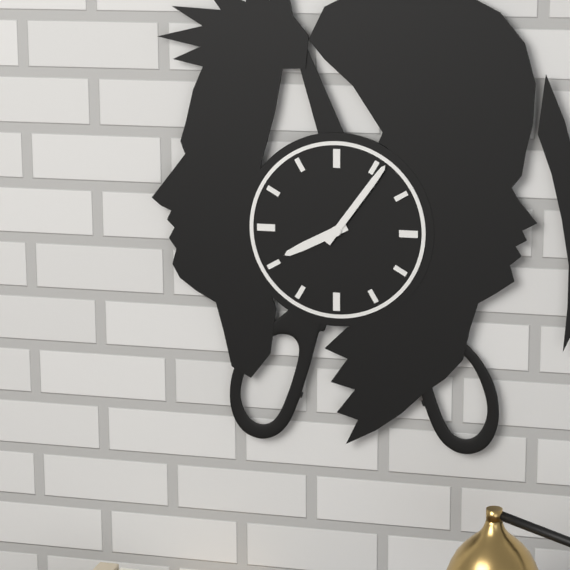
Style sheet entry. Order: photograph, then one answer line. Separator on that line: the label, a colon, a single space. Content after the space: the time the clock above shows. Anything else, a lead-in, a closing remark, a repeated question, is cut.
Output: 8:06
